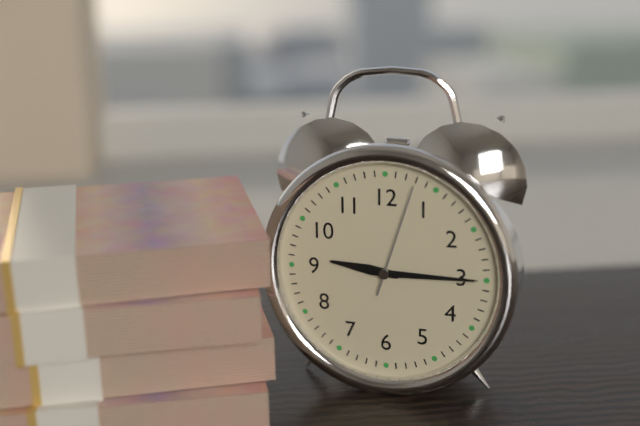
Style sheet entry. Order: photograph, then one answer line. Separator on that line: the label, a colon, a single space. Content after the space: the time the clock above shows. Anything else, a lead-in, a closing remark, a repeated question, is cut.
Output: 9:15:03
